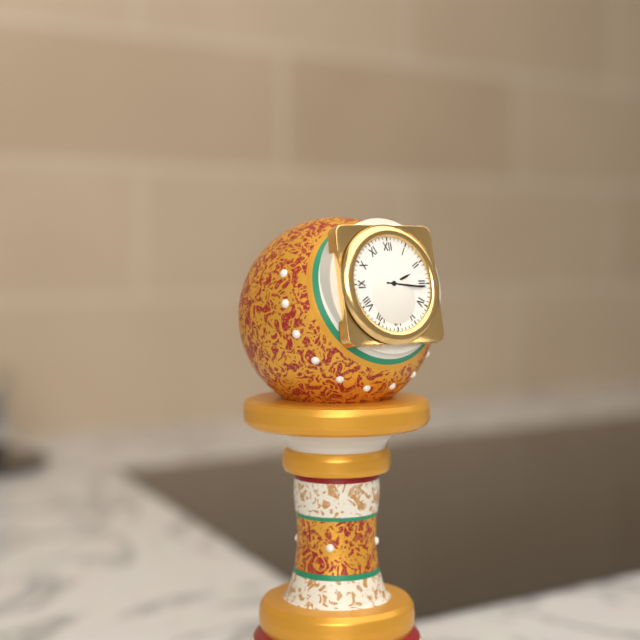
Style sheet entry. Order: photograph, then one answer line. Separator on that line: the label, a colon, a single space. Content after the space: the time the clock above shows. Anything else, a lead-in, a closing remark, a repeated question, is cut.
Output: 2:16
